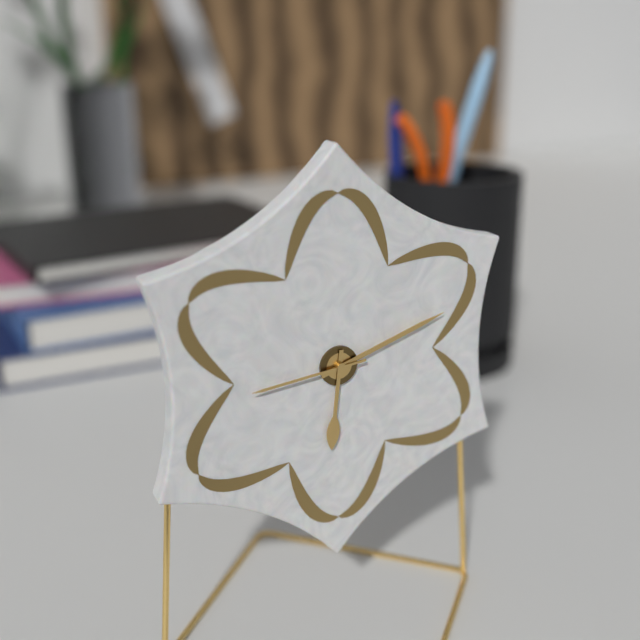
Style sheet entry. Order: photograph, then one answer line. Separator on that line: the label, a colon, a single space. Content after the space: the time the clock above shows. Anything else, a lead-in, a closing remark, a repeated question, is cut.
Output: 6:12:44
